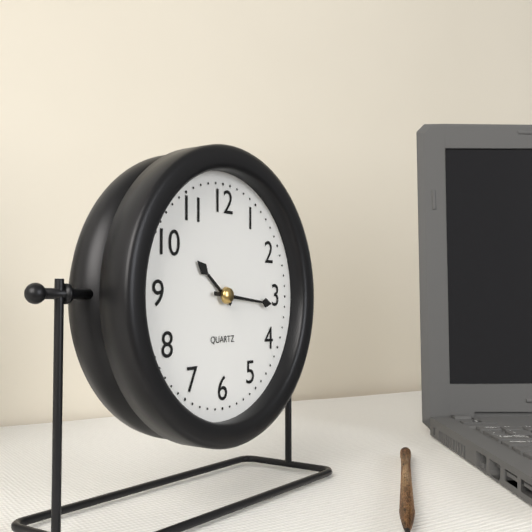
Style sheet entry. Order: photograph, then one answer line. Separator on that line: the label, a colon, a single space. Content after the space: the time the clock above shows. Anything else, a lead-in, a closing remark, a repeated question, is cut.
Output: 10:16
